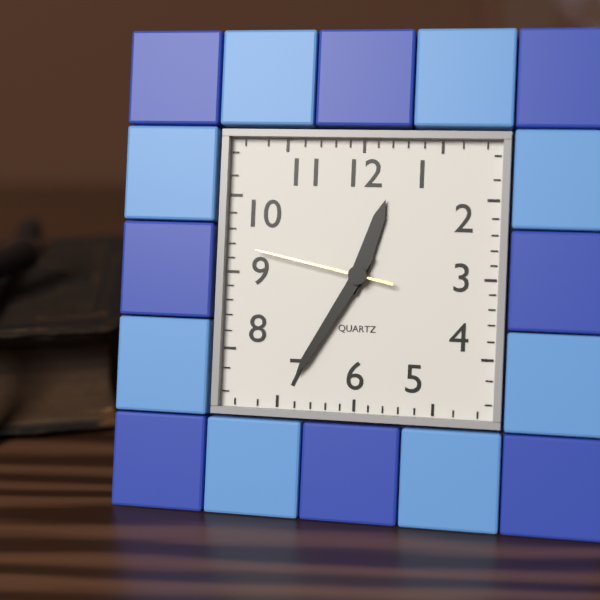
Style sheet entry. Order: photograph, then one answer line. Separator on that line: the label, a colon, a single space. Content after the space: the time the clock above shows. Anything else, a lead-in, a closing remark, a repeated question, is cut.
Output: 12:35:47
